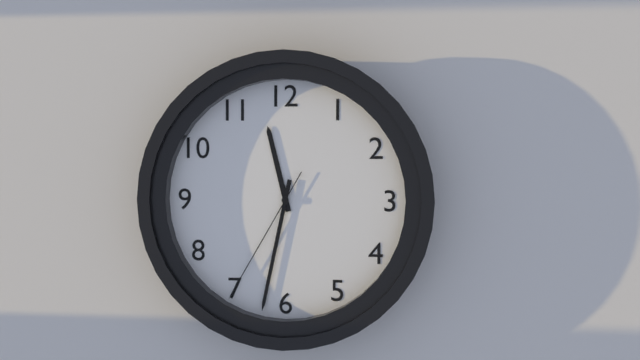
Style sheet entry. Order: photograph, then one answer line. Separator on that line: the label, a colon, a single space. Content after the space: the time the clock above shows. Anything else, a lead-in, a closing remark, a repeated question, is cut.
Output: 11:32:35
